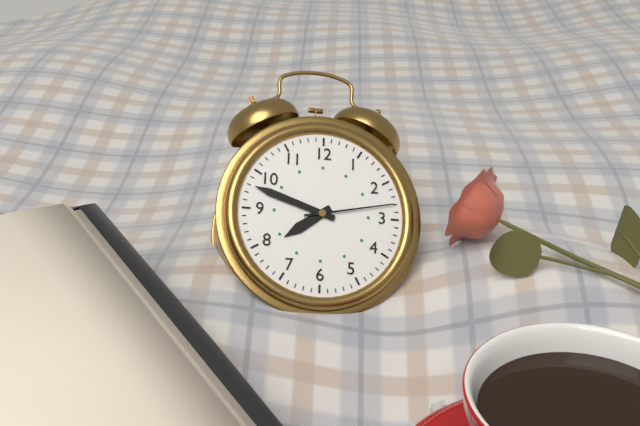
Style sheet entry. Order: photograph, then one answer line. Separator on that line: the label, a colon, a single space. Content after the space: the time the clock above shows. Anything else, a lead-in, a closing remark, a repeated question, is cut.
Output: 7:48:13
